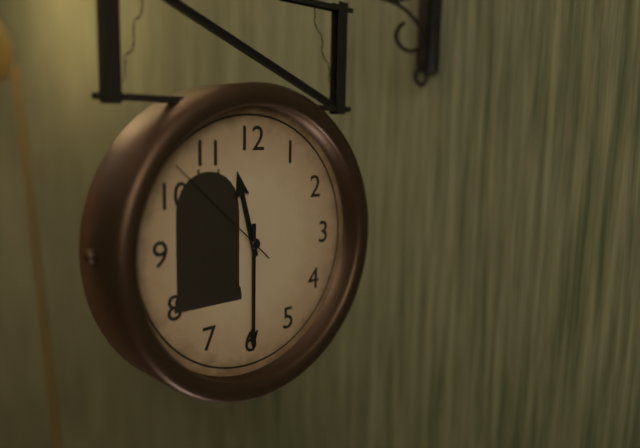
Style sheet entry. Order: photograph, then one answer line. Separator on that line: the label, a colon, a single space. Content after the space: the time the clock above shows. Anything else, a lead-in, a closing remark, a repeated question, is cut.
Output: 11:30:52
